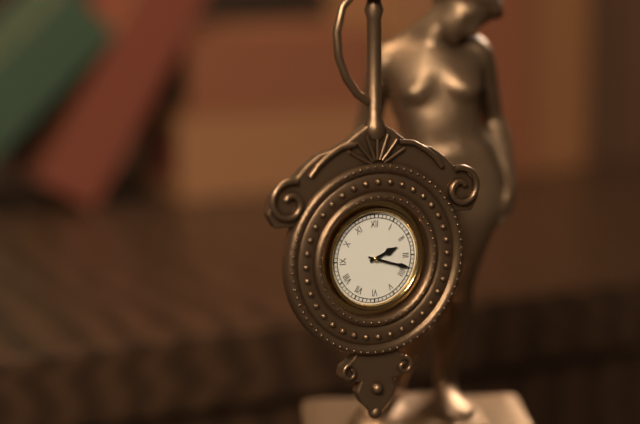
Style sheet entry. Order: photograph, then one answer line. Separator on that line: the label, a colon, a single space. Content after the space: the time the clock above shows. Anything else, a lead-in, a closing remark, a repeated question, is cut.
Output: 2:18
